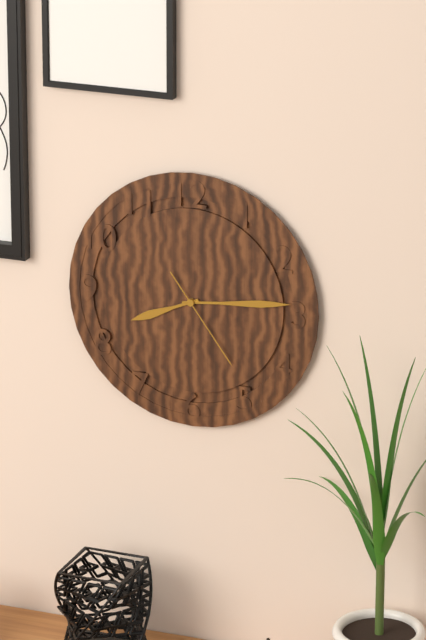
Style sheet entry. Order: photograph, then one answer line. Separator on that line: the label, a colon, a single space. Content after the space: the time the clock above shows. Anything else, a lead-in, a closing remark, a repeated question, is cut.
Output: 8:14:24
